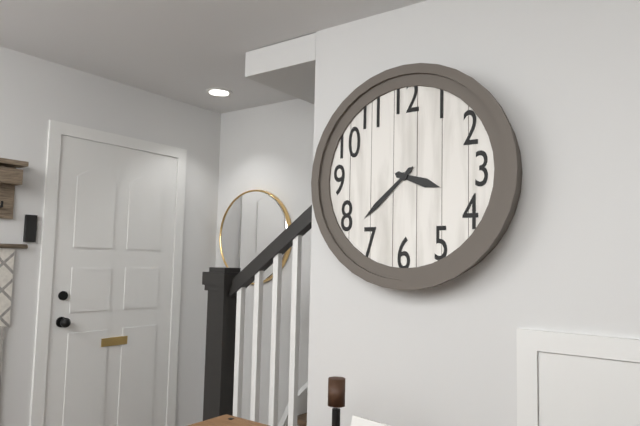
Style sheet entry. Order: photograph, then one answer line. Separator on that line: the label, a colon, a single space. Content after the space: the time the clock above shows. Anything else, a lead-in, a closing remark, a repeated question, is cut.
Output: 3:38
